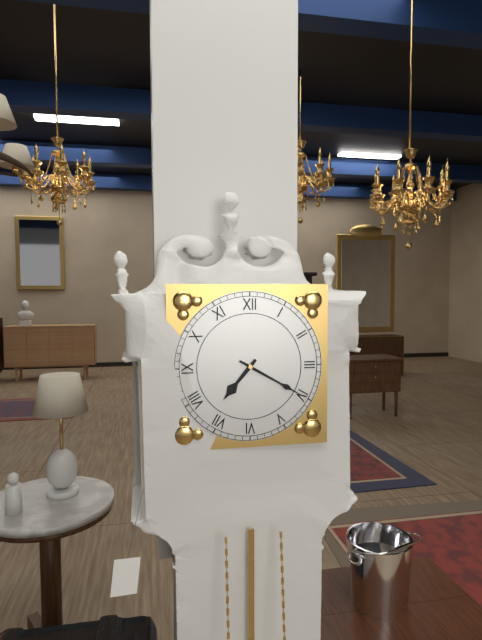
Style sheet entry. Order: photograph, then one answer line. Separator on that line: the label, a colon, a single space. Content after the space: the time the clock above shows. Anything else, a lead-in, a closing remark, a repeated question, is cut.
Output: 7:20
